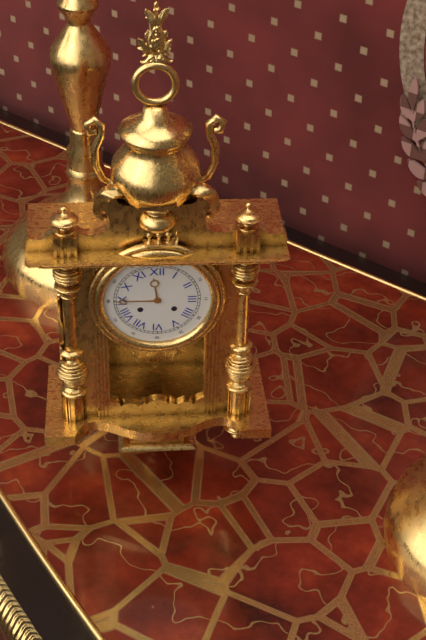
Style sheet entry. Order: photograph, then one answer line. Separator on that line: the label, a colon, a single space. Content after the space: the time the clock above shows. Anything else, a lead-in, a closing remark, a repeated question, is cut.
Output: 11:45
